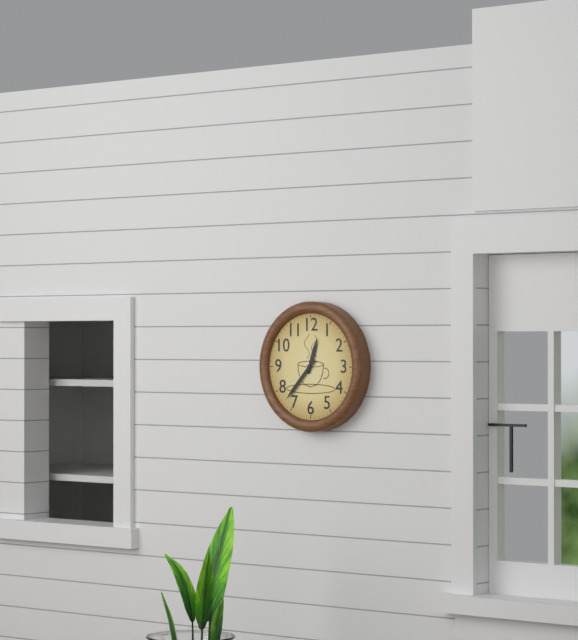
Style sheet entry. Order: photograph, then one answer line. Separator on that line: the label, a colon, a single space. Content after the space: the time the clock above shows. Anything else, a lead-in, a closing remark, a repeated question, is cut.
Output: 12:37
